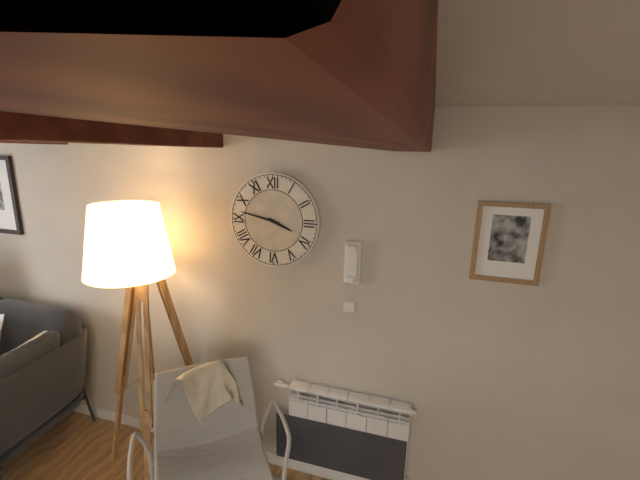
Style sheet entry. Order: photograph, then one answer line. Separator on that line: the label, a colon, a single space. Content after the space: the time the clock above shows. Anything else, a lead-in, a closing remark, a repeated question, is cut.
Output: 3:47
